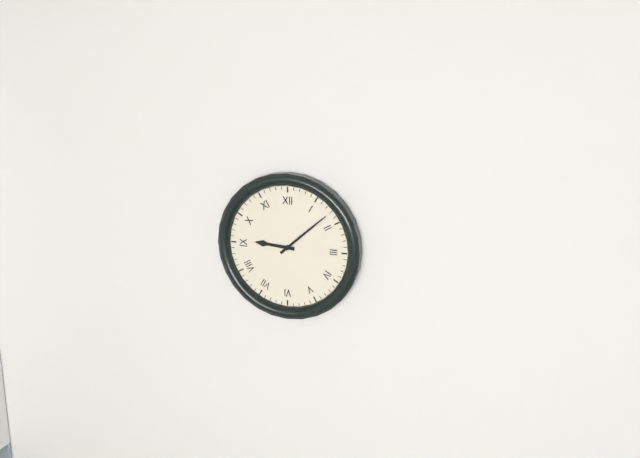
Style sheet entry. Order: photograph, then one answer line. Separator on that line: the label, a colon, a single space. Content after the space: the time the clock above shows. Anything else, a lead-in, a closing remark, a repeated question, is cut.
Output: 9:08
